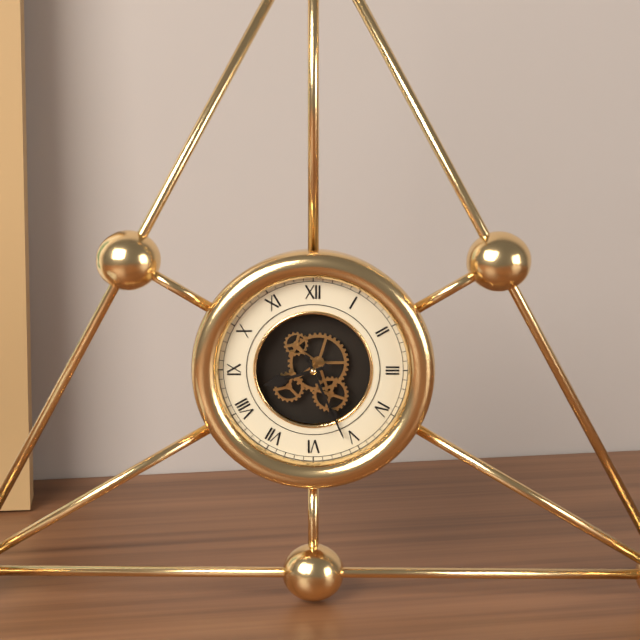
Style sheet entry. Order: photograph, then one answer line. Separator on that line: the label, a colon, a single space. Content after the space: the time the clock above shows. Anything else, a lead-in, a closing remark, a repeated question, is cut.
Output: 8:26
